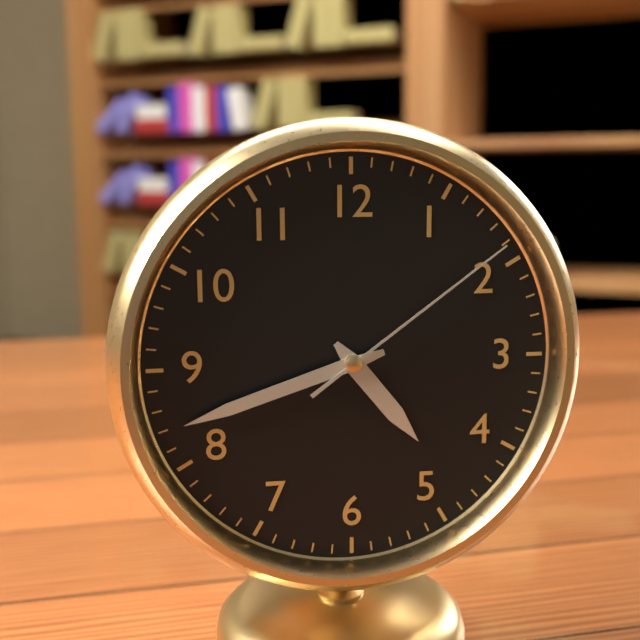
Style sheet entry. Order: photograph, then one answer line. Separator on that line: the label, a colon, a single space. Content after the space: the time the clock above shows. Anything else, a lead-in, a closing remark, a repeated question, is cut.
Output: 4:42:09
